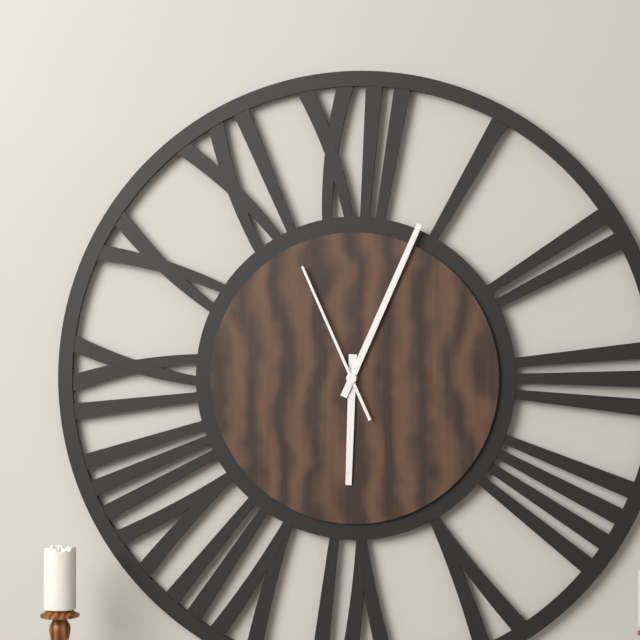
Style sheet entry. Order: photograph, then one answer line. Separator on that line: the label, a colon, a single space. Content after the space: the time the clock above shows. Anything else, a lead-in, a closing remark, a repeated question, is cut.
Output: 6:04:56
